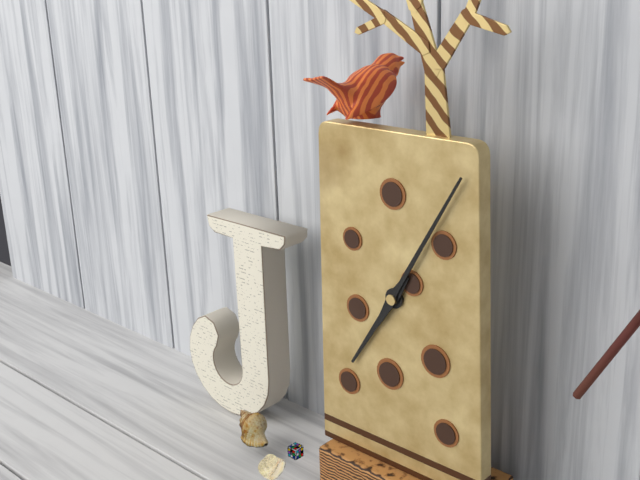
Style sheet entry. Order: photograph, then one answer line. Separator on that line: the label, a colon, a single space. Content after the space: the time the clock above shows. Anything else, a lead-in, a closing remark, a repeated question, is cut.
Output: 7:05
